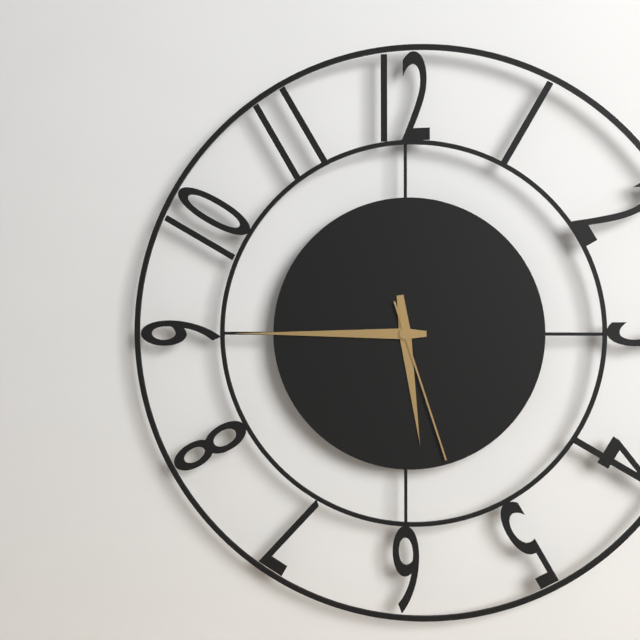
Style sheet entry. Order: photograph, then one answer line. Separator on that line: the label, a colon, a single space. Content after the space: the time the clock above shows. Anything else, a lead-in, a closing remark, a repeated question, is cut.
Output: 5:45:27
